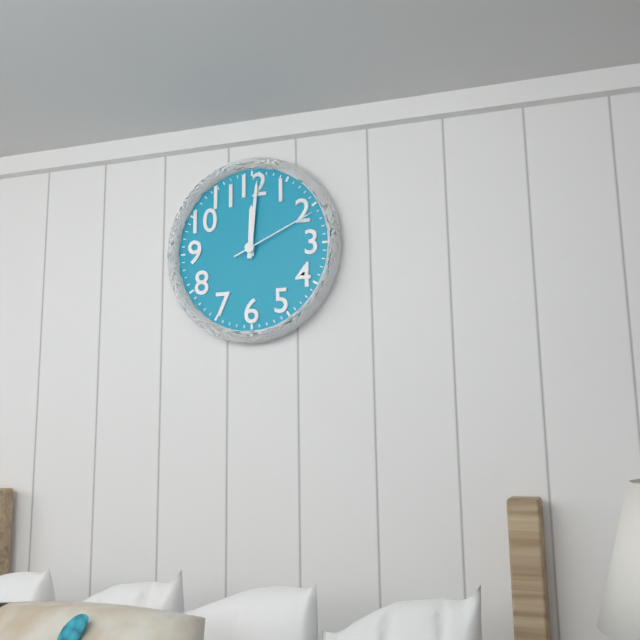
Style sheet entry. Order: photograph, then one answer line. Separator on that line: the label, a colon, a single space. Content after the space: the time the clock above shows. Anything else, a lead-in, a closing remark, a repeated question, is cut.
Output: 12:01:11
